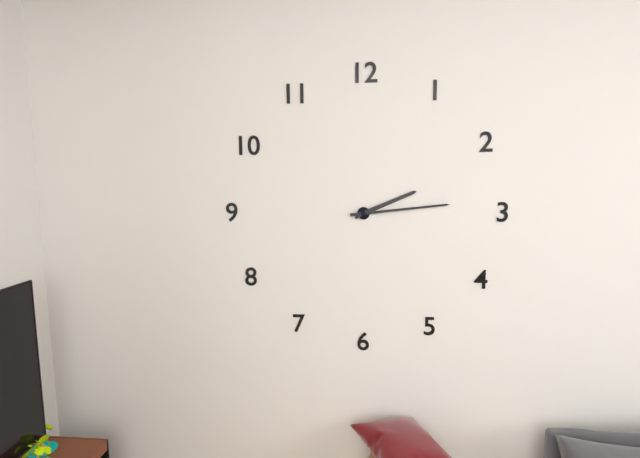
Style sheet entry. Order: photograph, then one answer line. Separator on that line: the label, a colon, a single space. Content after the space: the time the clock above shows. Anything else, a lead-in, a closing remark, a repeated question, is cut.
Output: 2:14
